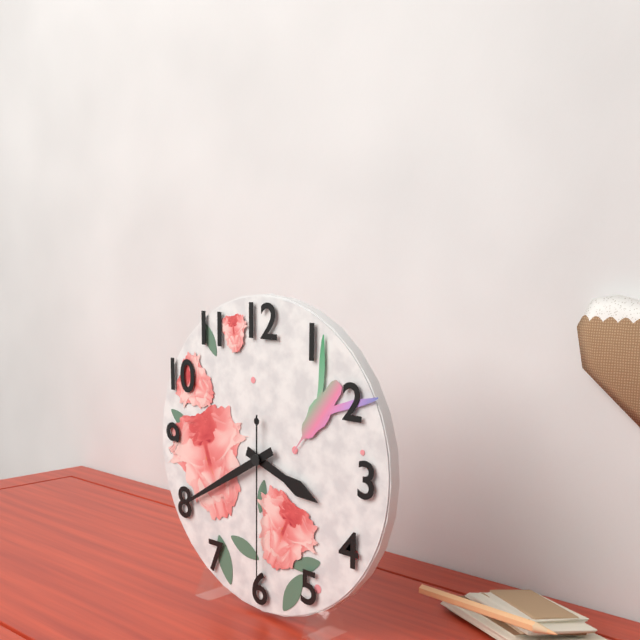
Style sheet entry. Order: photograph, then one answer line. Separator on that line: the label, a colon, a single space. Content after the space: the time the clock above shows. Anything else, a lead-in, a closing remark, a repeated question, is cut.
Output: 3:40:30
